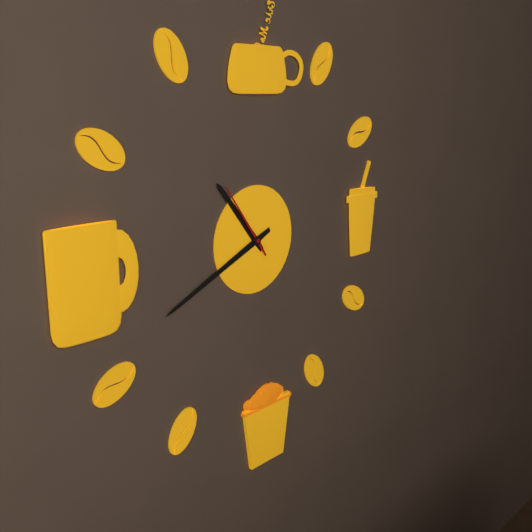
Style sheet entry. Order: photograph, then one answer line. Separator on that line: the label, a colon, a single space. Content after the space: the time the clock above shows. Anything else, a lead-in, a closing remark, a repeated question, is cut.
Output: 10:41:54
